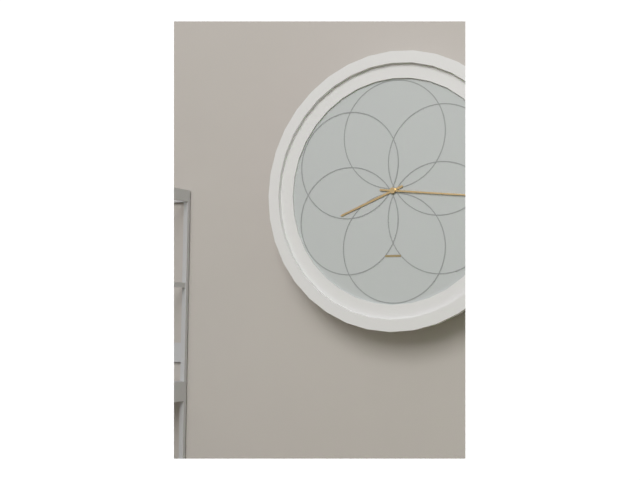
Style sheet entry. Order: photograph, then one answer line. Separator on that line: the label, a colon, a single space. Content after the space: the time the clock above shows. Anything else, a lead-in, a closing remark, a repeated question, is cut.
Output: 8:16
